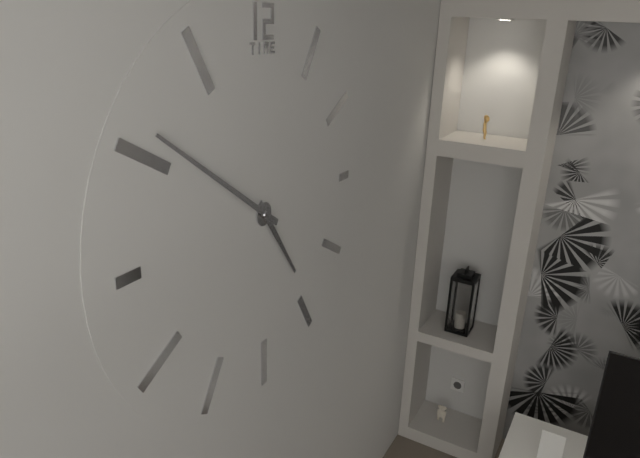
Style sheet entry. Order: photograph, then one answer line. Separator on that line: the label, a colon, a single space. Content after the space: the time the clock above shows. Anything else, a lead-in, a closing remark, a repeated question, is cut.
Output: 4:51
